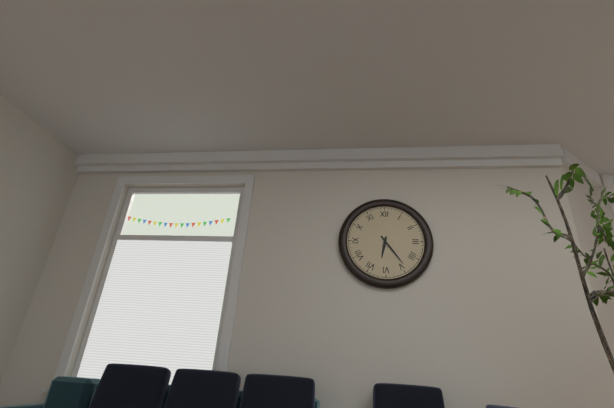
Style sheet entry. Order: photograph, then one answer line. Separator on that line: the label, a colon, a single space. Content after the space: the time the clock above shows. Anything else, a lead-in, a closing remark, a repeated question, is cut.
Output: 6:24
